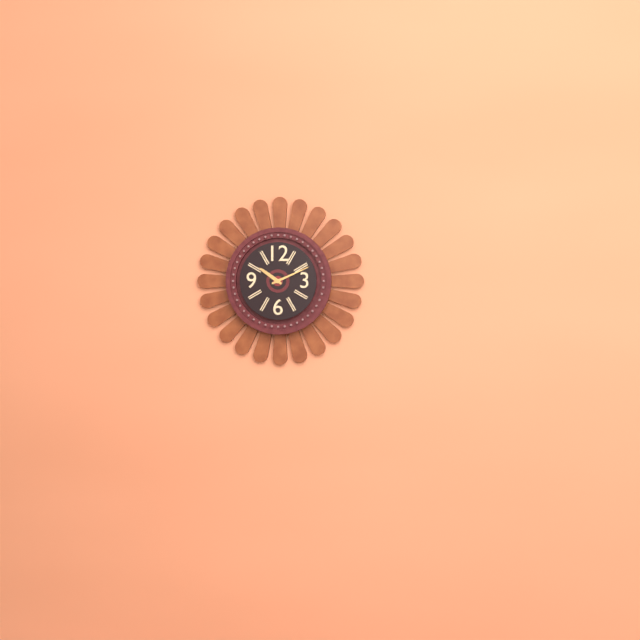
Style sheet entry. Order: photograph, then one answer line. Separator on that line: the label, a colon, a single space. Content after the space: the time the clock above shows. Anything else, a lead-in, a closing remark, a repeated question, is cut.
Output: 10:11
